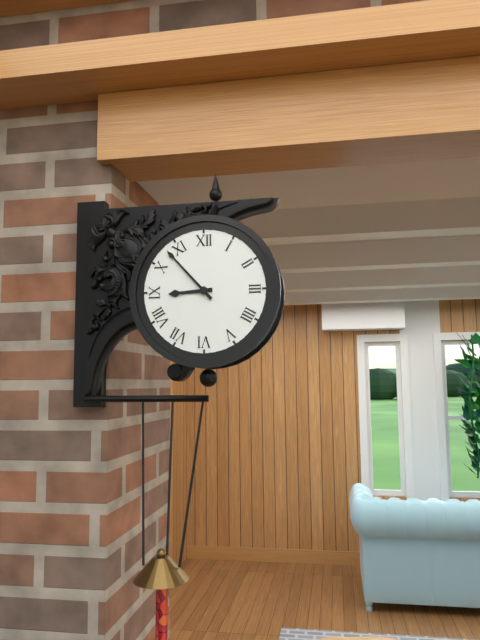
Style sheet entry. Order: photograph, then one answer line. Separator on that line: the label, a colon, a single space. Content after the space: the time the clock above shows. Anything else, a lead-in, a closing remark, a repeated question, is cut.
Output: 8:53
